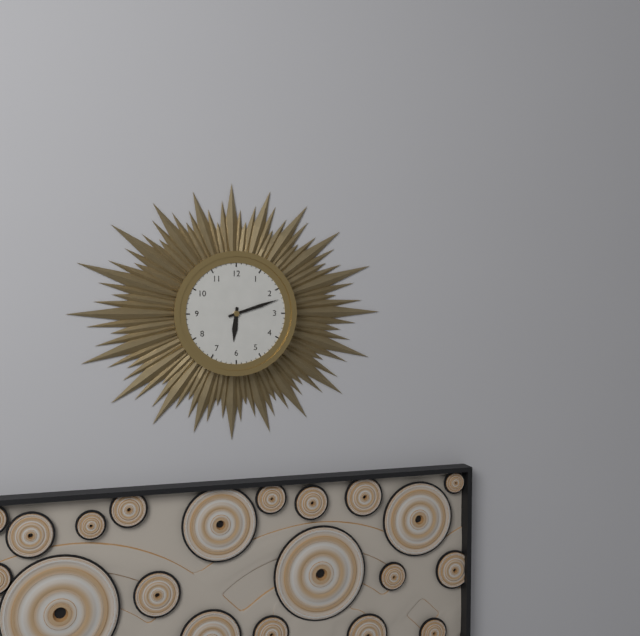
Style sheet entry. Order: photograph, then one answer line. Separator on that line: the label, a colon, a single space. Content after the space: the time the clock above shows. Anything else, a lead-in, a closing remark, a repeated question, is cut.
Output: 6:12
